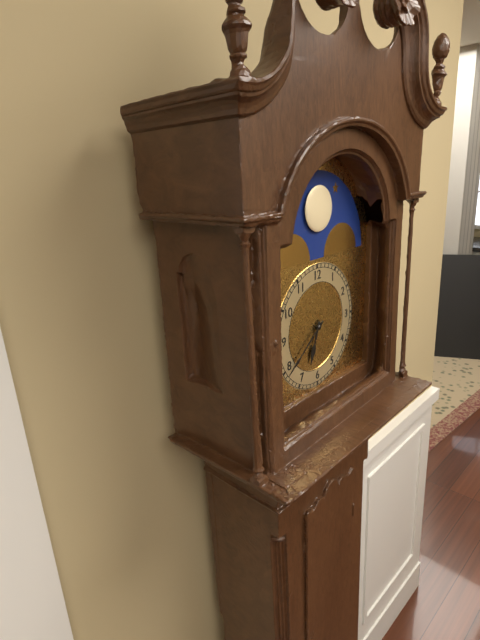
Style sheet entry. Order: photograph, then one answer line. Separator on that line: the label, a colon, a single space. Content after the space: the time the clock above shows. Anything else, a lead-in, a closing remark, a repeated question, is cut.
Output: 6:39
